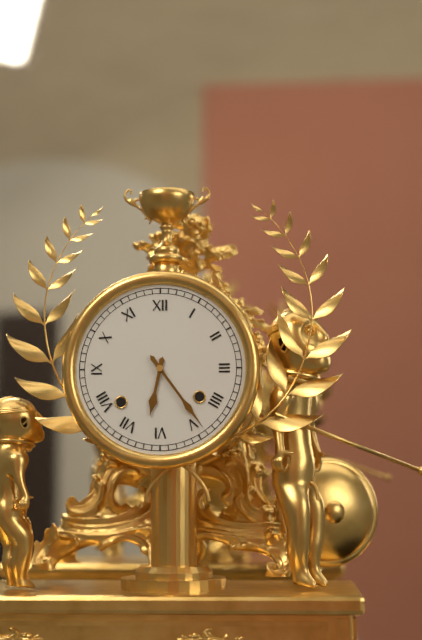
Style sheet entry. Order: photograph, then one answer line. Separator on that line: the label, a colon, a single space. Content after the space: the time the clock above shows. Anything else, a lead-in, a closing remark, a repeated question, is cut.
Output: 6:24
